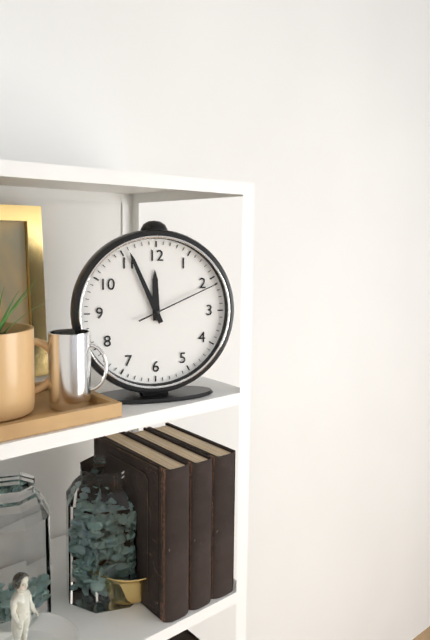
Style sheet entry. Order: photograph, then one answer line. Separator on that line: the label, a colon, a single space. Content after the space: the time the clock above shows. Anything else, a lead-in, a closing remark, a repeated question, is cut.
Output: 11:56:11
